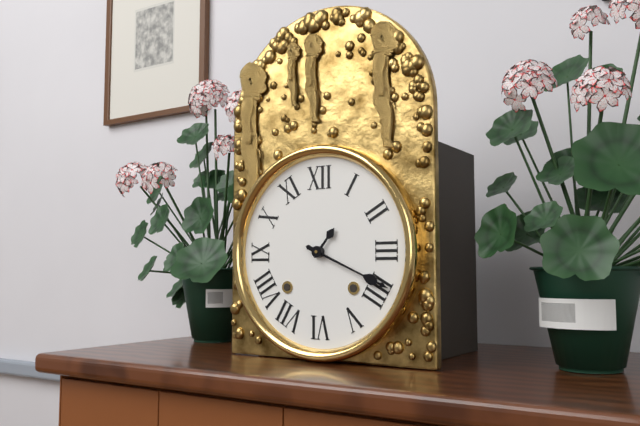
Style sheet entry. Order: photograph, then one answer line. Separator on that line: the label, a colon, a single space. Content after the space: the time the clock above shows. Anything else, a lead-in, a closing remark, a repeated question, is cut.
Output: 1:19
